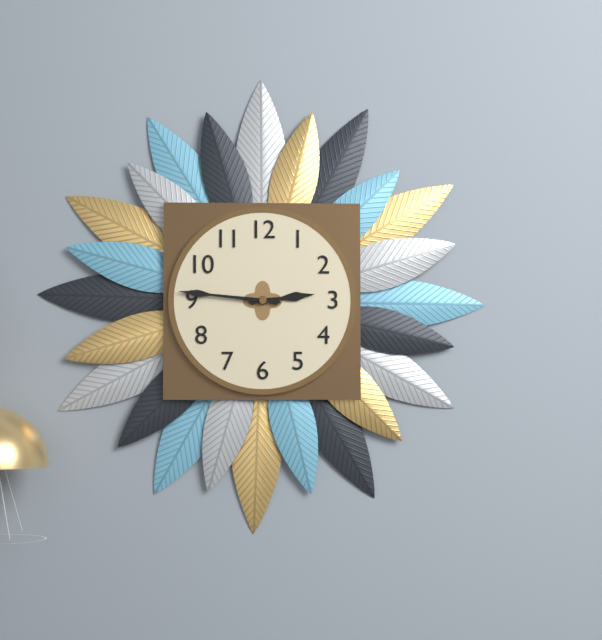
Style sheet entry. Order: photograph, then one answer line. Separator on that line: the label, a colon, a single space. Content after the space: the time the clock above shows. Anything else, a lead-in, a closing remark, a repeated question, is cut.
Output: 2:46
